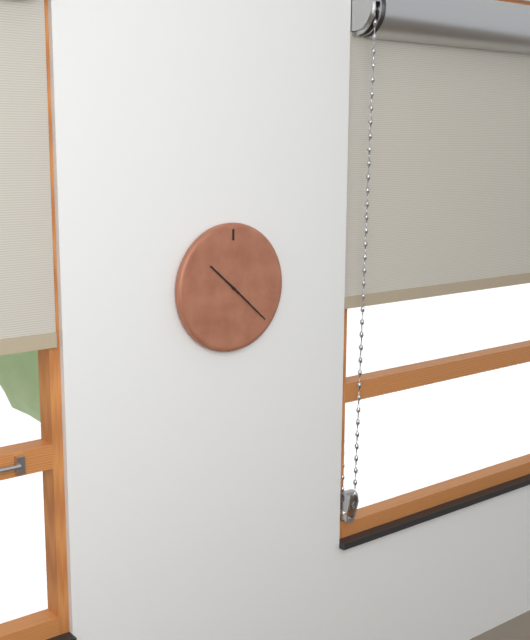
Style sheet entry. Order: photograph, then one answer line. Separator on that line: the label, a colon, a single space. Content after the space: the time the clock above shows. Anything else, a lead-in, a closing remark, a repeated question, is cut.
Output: 10:22
